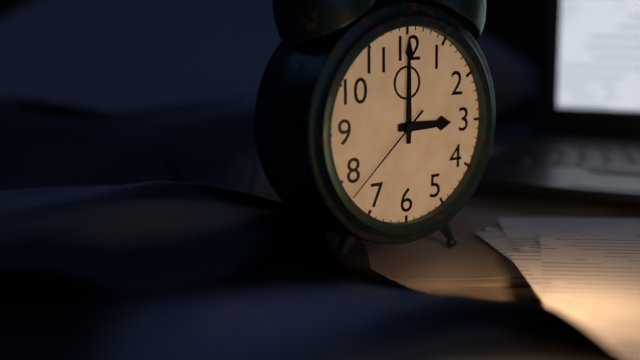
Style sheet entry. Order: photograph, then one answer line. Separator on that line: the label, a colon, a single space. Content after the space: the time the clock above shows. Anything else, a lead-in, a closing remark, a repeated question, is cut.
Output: 3:00:38
